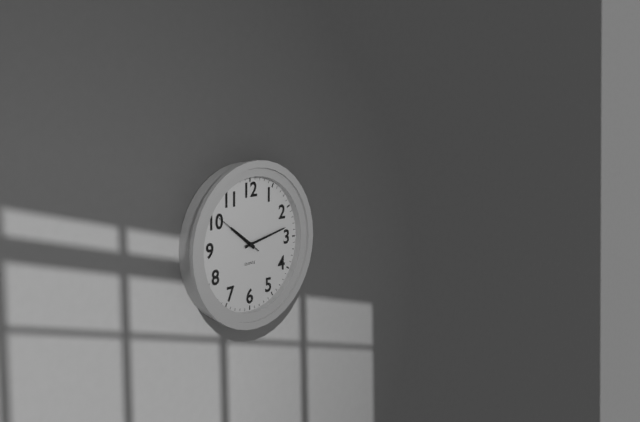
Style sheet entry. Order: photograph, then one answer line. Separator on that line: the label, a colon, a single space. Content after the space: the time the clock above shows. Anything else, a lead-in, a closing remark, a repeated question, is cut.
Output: 10:13:51
